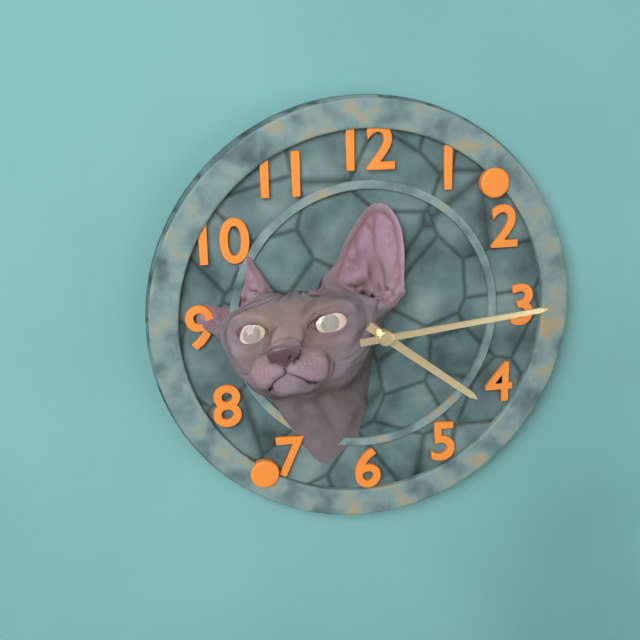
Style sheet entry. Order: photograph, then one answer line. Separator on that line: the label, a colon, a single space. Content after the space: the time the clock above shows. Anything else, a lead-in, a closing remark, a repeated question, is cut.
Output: 4:14
